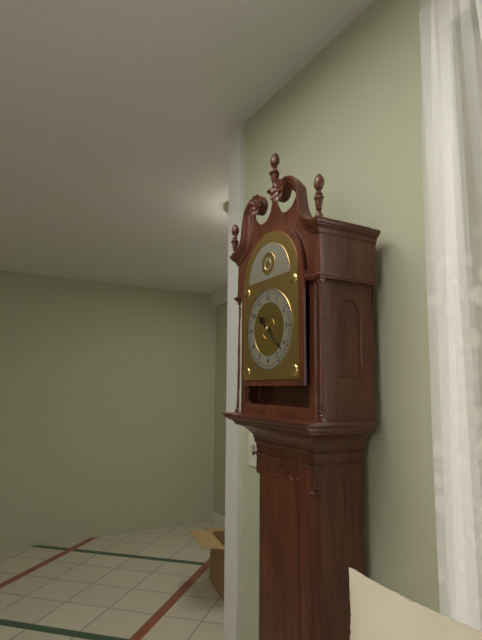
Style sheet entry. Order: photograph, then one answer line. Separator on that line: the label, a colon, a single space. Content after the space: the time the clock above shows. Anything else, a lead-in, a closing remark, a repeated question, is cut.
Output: 10:22
